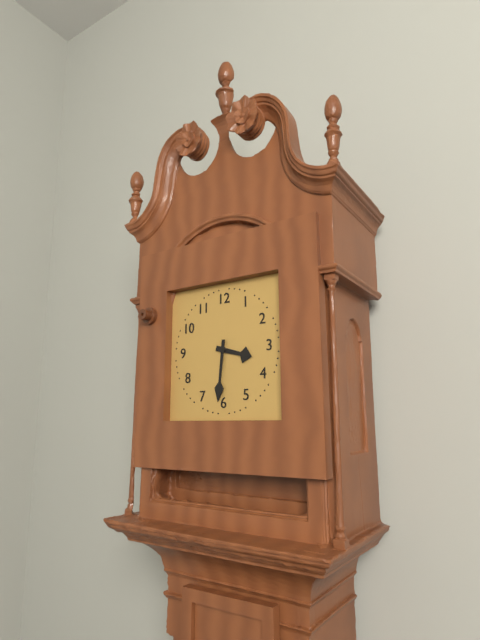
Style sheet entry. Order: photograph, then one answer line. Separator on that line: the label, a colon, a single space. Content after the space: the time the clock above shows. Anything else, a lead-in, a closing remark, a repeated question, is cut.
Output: 3:31
